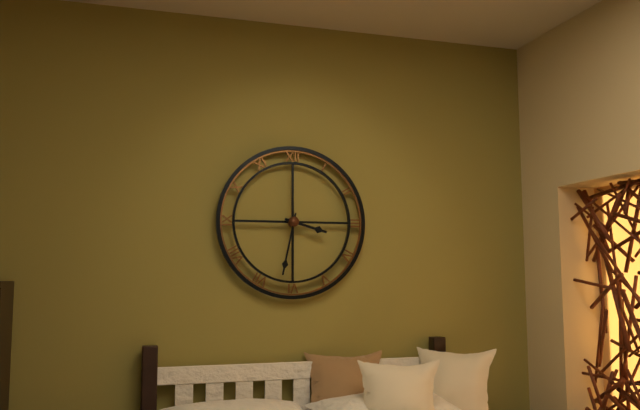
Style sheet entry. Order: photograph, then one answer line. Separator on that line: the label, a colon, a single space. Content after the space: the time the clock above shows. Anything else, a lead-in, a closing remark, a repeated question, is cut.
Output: 3:32
